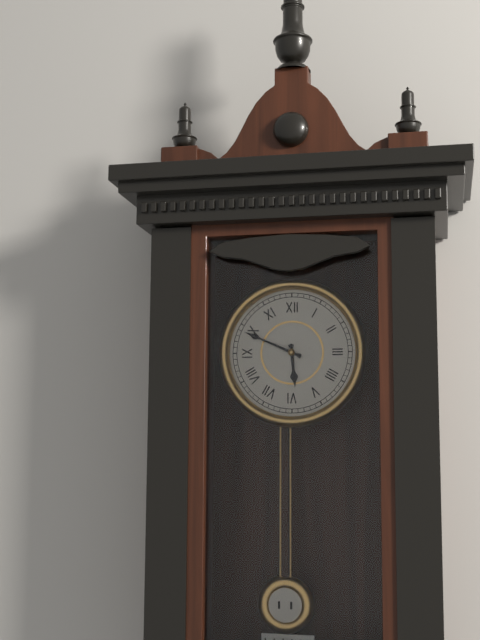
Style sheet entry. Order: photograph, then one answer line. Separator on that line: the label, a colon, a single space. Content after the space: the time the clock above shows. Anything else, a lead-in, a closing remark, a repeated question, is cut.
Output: 5:49
